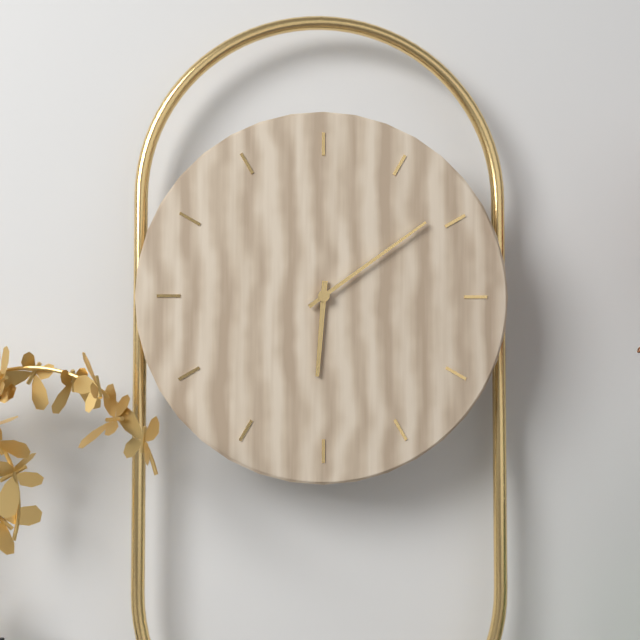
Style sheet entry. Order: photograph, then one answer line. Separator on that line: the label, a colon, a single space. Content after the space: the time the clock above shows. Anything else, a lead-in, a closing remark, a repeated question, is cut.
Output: 6:09
